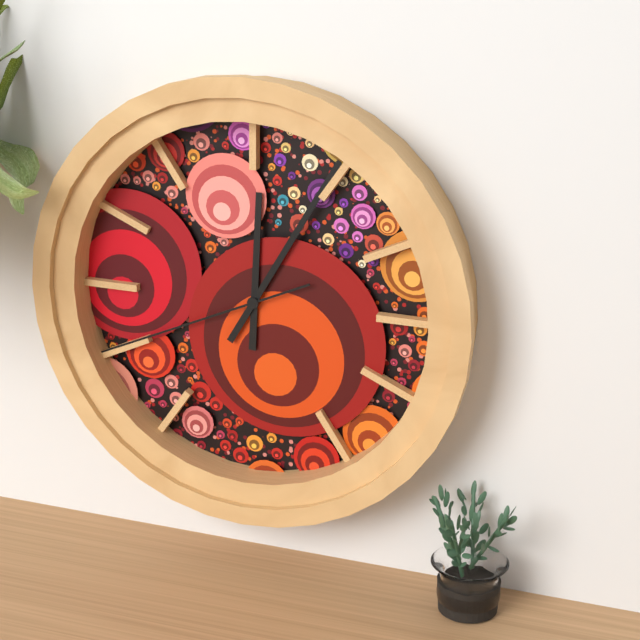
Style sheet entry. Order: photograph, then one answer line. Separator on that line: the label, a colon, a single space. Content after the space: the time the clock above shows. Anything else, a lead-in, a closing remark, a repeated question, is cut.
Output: 12:05:41
